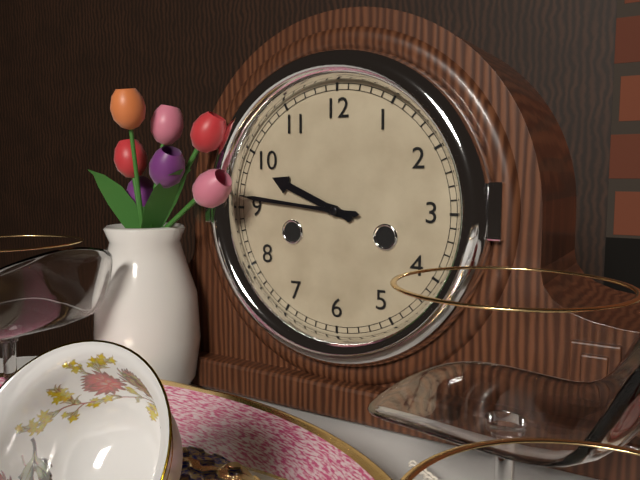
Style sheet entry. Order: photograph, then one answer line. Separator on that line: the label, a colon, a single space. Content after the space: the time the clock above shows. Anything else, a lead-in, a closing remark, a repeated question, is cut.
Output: 9:46
